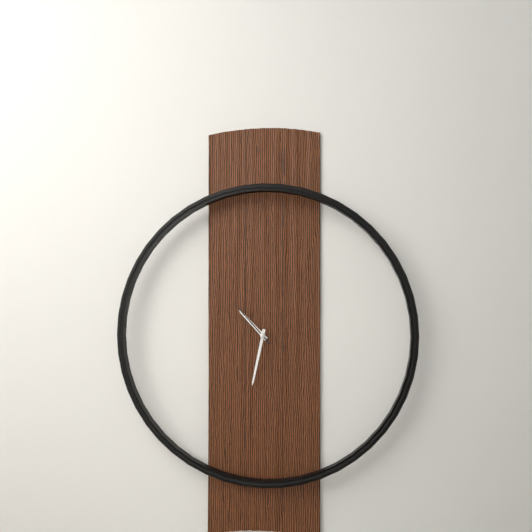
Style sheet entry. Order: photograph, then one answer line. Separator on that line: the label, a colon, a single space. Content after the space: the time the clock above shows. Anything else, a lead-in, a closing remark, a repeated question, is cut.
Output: 10:32:53
